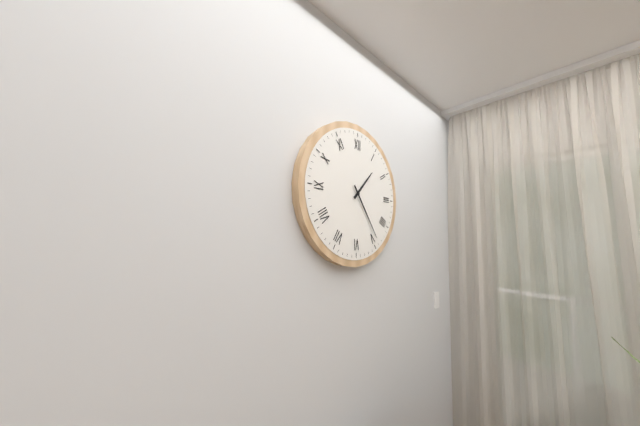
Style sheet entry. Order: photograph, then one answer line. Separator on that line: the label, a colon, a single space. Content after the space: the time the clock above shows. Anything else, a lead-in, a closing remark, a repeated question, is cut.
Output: 1:24
